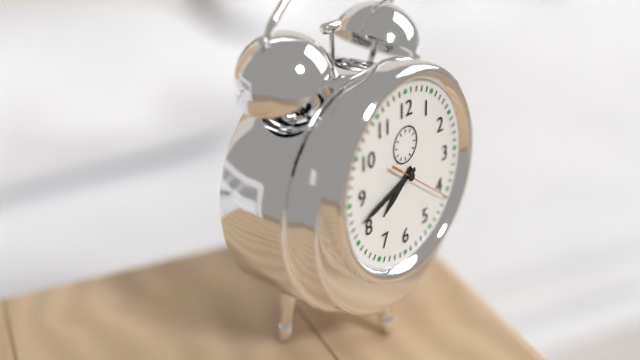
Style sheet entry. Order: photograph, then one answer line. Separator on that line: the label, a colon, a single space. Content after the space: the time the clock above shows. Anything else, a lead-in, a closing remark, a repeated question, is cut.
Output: 7:42:21
